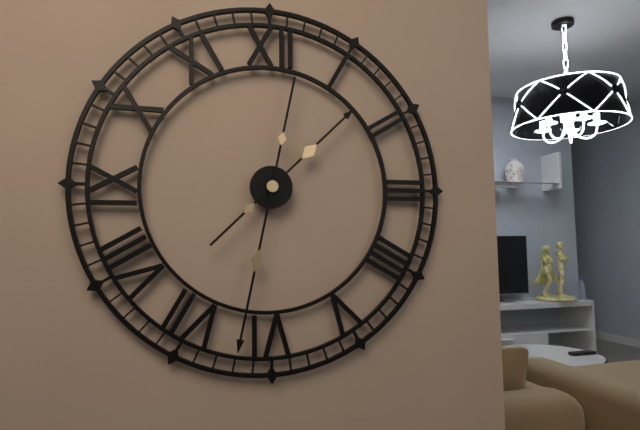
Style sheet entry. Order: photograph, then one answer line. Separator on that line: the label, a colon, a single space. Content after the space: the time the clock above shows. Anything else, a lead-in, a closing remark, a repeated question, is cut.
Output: 1:32
